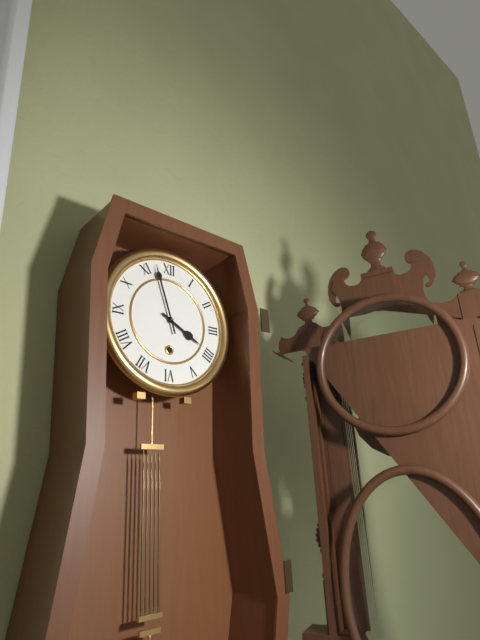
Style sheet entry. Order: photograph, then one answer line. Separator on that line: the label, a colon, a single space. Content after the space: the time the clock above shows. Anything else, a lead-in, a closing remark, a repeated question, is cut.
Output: 3:57
